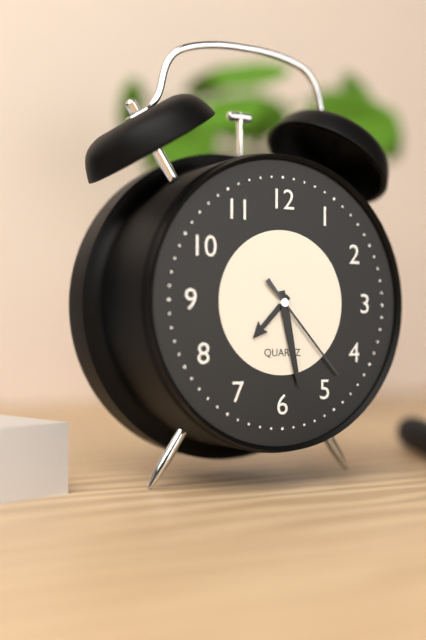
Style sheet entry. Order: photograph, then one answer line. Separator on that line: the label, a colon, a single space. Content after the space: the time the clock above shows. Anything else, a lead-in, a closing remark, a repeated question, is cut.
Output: 7:28:23
